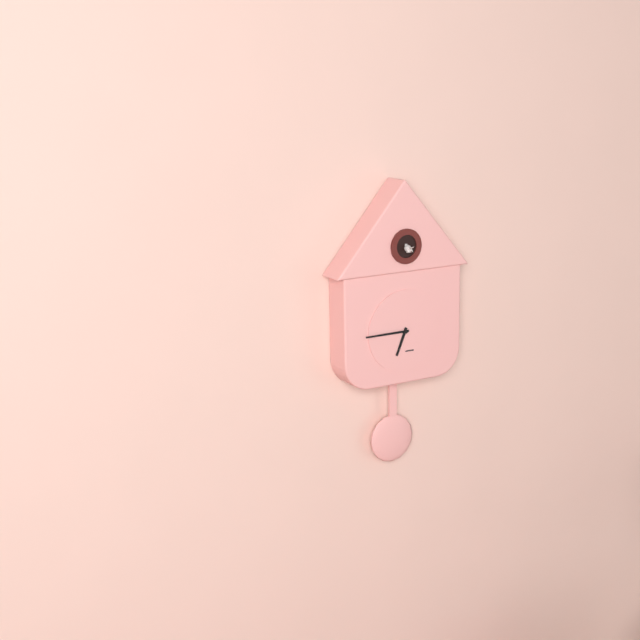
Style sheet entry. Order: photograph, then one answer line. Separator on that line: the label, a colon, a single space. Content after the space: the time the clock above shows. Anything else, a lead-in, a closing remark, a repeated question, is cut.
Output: 6:45
